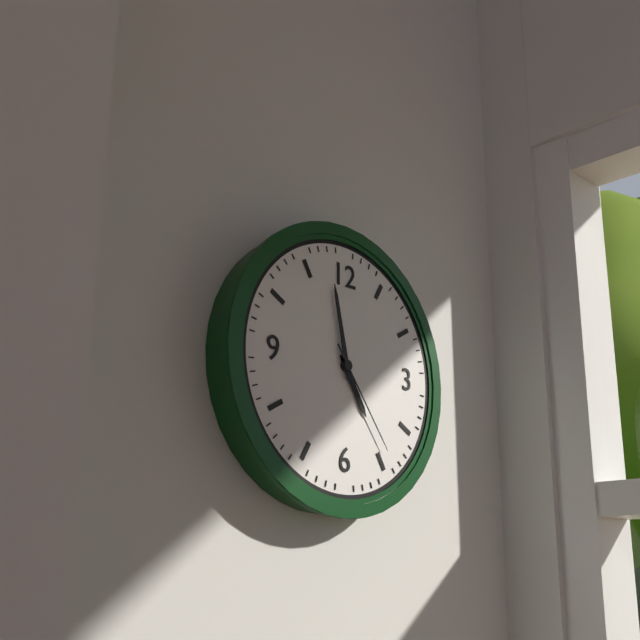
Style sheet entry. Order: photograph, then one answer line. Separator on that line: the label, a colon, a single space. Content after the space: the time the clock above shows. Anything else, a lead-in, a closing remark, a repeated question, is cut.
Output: 4:58:24
